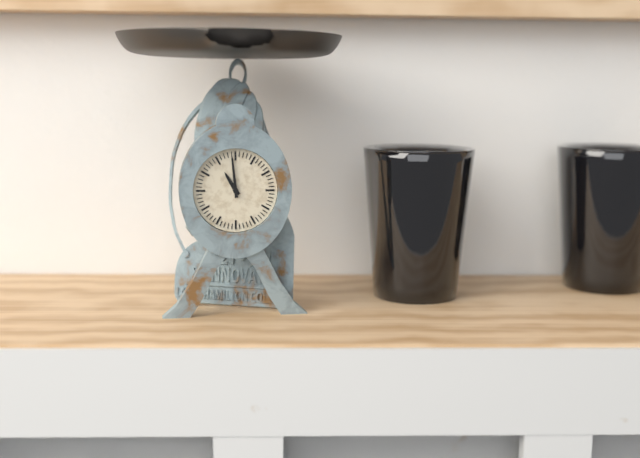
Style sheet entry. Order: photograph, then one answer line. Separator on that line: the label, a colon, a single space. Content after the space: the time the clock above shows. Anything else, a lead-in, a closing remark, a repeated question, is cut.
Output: 10:59
